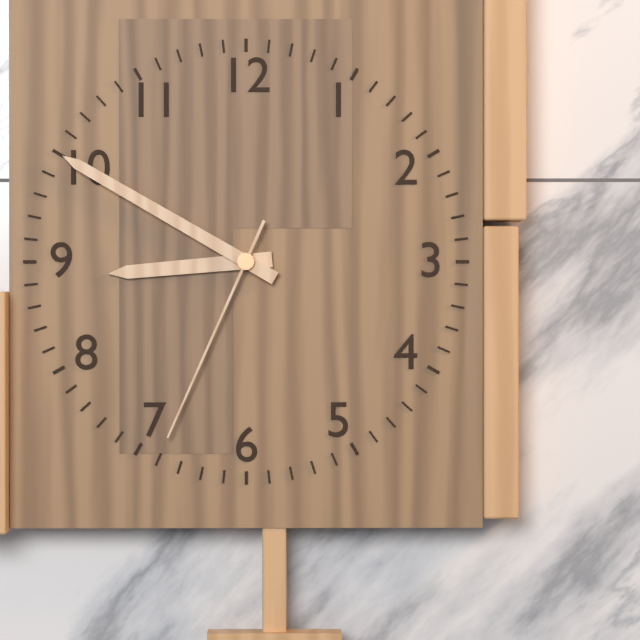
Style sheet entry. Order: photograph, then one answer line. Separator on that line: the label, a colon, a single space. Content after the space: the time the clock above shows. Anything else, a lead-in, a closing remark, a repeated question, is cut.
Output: 8:50:34
